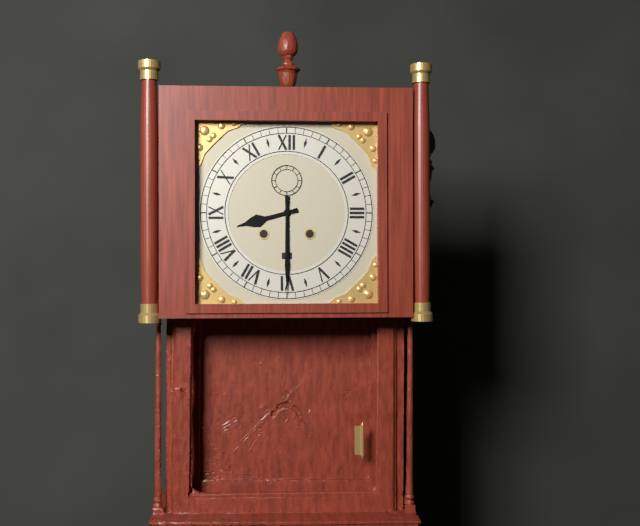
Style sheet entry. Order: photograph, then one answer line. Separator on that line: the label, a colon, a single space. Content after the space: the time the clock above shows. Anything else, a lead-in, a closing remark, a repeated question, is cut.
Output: 8:30
